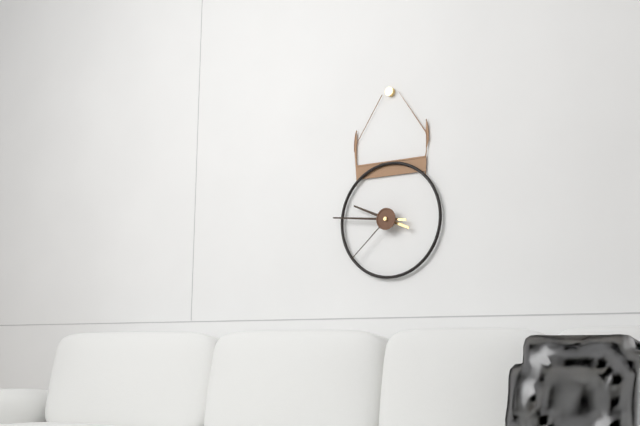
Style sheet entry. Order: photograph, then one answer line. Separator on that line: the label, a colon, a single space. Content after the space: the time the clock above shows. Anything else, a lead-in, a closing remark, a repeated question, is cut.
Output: 9:46:38
